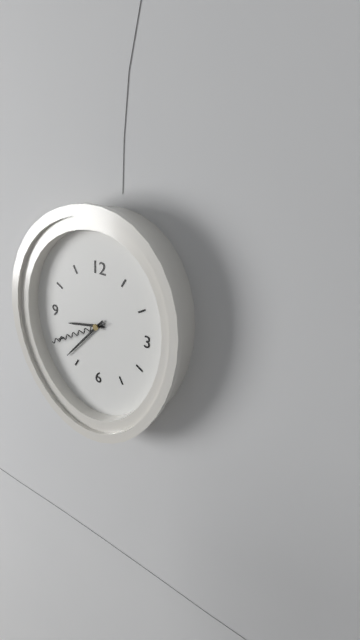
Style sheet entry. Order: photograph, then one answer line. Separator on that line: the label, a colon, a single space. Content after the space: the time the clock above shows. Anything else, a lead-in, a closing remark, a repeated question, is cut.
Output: 8:37:40
